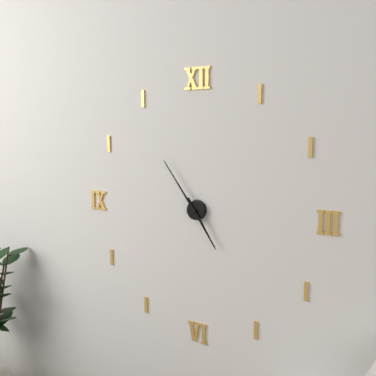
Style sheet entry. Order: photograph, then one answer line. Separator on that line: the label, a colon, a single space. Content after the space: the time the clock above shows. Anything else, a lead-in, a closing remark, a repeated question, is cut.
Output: 4:54
